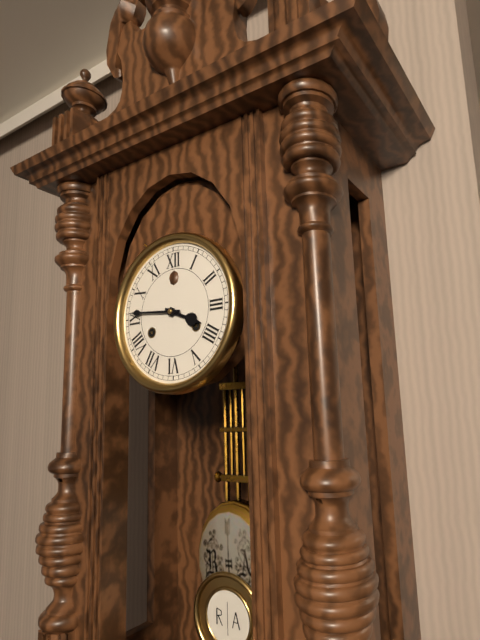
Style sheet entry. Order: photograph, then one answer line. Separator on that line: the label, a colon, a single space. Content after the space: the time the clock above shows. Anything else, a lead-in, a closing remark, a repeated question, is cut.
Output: 3:46
